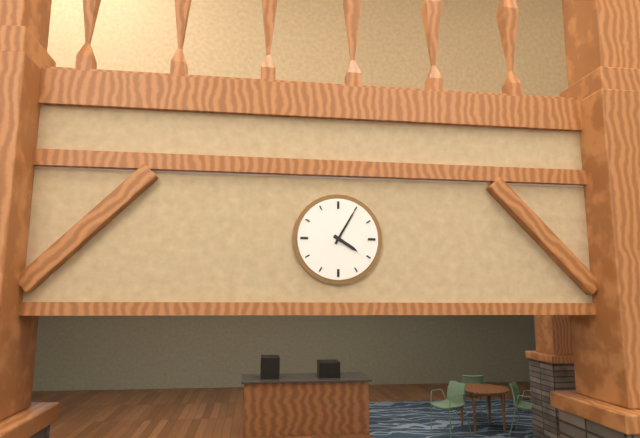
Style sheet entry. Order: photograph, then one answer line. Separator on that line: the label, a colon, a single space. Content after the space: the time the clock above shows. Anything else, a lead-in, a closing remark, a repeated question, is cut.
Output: 4:05
